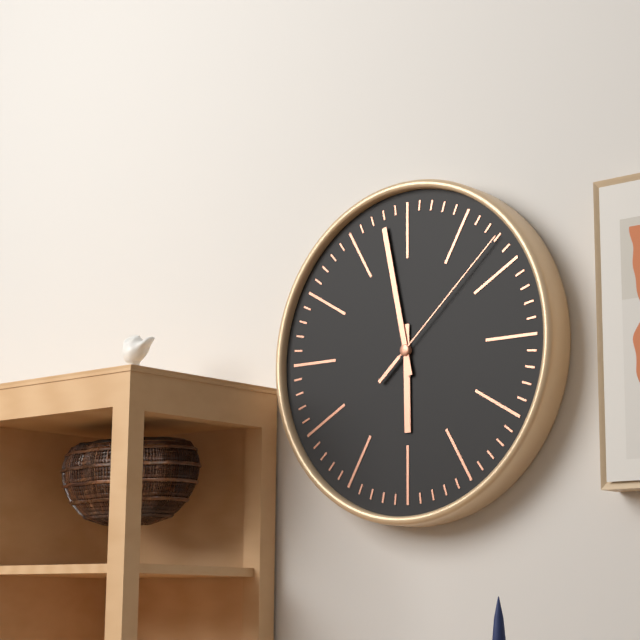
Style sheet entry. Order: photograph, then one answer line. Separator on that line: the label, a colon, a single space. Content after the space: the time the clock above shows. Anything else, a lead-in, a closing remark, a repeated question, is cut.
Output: 5:58:08
